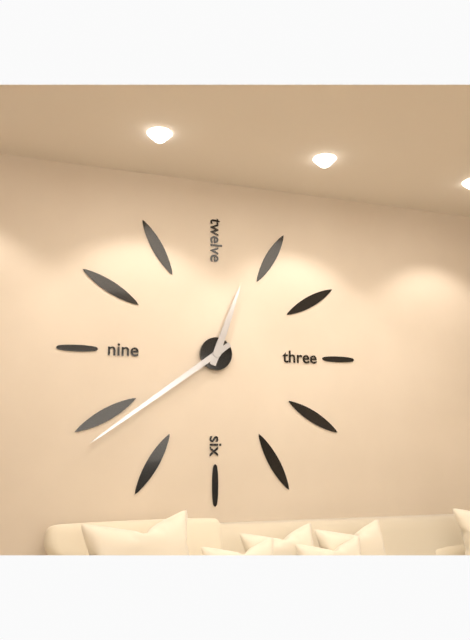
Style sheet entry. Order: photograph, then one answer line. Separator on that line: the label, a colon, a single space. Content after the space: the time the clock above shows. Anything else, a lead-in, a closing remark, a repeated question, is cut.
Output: 12:39
